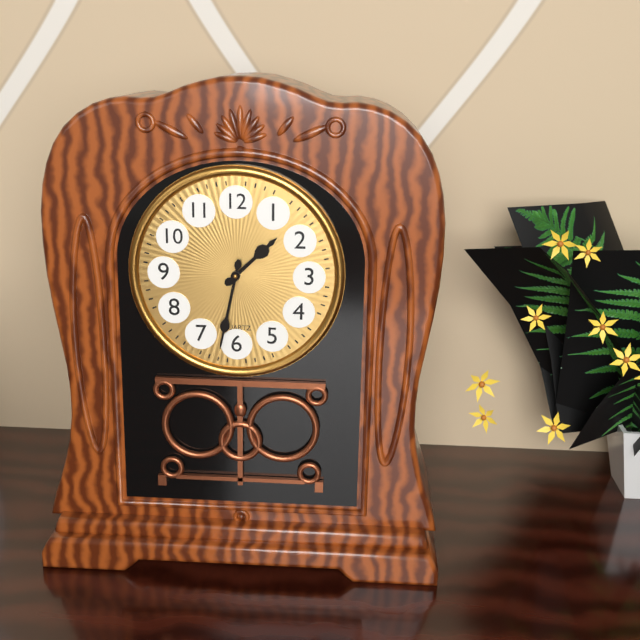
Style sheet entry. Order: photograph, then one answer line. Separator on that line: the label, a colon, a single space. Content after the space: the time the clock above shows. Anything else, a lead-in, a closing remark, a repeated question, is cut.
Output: 1:32
